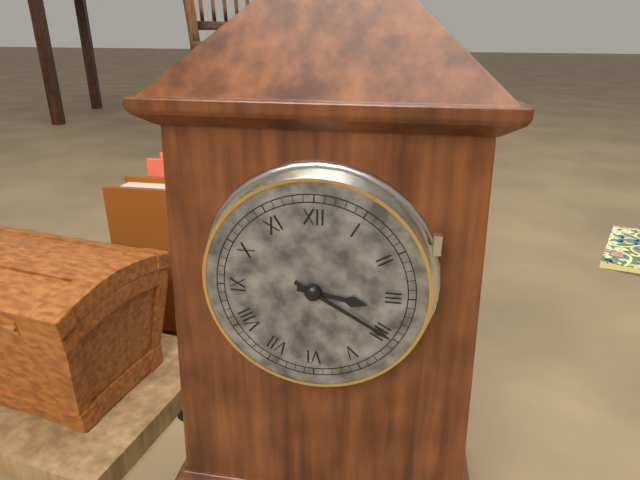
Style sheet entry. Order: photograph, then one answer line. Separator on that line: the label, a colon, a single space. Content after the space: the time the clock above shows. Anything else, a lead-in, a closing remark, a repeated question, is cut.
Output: 3:20
